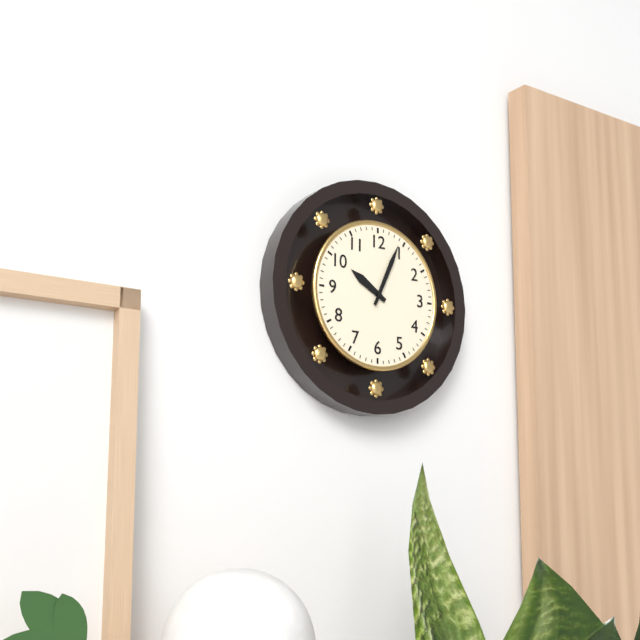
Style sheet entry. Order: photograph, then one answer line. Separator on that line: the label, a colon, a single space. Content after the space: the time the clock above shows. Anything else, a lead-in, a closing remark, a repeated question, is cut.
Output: 10:04
